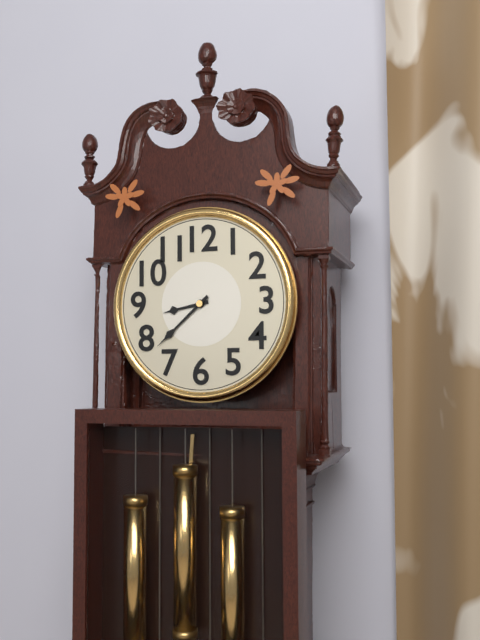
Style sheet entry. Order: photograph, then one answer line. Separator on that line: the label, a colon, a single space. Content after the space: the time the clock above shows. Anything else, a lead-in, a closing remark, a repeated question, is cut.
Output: 8:38
